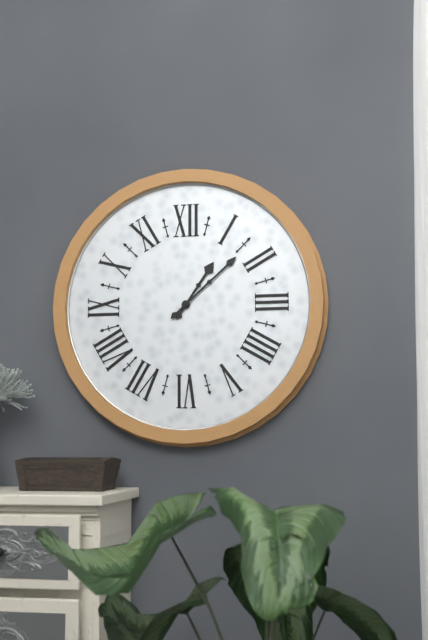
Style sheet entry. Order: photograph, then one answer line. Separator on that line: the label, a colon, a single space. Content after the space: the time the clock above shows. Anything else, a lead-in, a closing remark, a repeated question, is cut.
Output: 1:08
